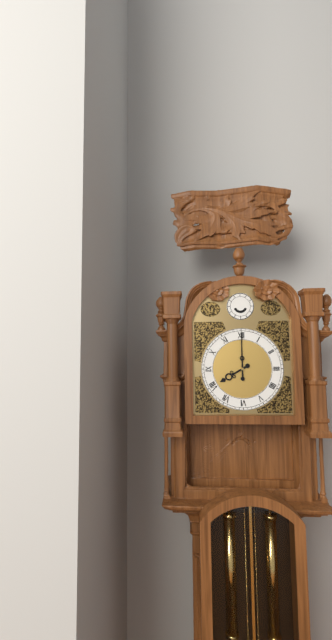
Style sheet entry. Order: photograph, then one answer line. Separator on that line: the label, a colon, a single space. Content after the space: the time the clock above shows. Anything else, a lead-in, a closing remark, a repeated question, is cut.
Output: 8:00
